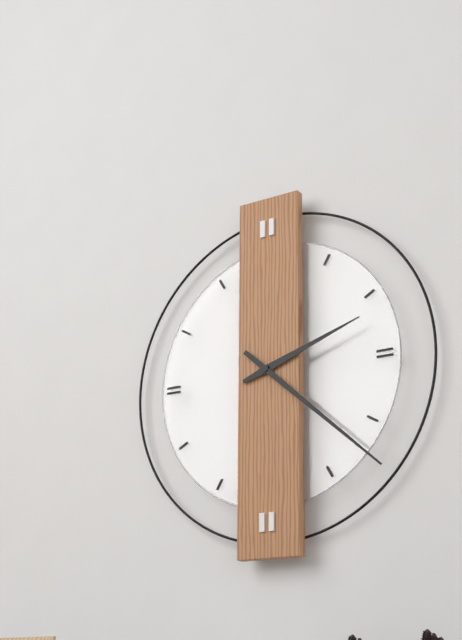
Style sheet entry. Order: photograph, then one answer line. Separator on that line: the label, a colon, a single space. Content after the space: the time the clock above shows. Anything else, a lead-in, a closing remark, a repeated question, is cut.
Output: 2:22
